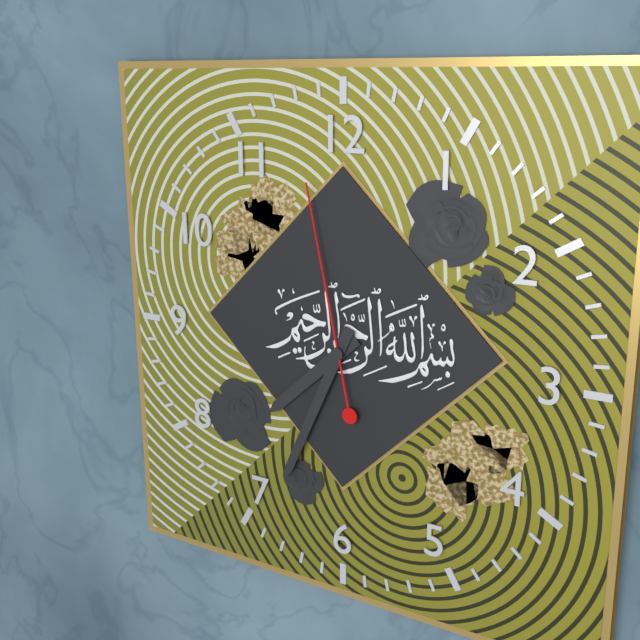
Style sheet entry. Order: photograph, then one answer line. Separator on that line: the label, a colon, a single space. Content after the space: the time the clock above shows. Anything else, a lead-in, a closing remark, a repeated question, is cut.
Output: 7:34:58
